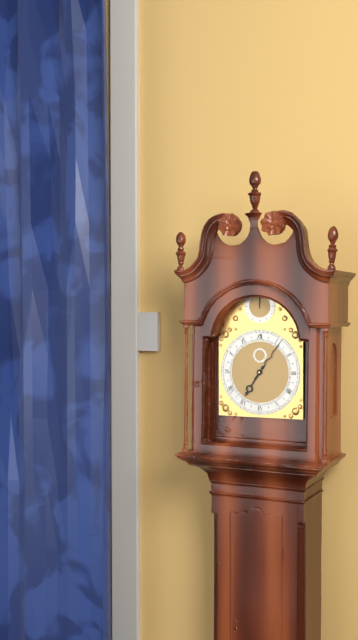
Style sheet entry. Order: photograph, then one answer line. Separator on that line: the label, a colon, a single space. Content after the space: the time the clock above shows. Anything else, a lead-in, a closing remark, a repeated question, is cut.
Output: 7:06
